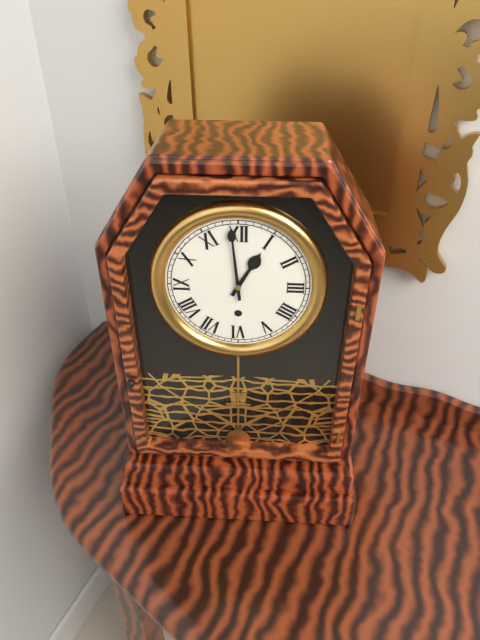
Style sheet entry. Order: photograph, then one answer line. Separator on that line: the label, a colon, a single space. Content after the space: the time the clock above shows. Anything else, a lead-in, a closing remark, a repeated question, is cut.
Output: 12:59
